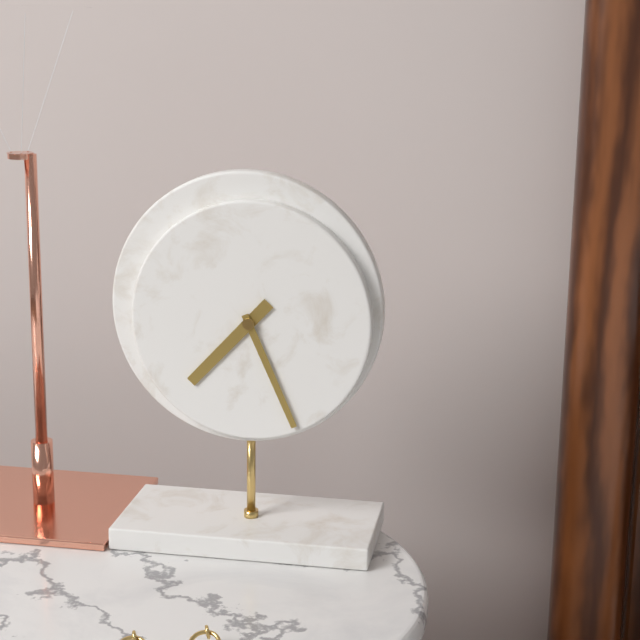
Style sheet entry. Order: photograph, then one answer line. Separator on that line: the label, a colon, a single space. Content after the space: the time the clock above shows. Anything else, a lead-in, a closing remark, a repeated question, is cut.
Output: 7:26
